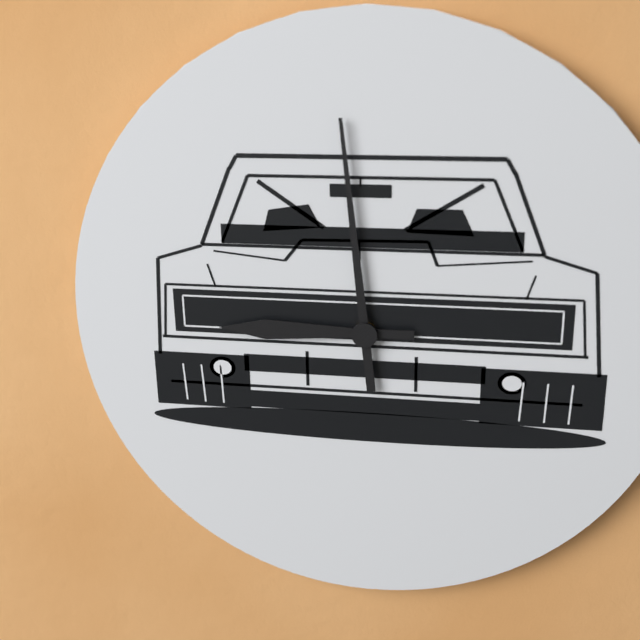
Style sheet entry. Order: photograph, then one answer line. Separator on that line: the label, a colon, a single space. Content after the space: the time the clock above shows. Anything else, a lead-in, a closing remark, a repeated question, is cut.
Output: 8:59
